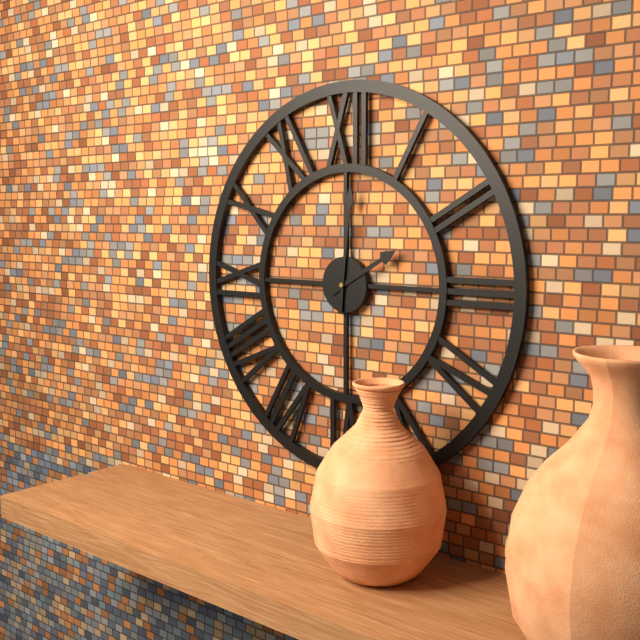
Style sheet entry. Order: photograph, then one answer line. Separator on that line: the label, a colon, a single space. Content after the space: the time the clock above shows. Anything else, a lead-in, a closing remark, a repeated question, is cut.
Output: 2:01
